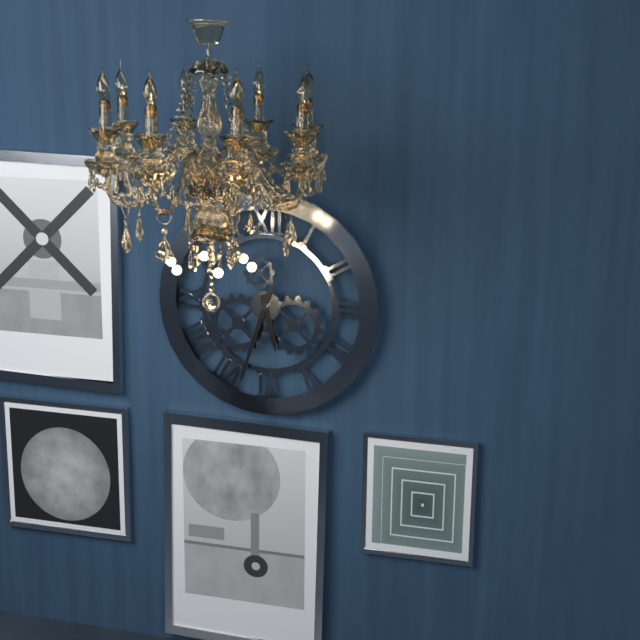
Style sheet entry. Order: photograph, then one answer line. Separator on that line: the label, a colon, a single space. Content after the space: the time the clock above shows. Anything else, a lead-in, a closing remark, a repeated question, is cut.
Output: 5:33
